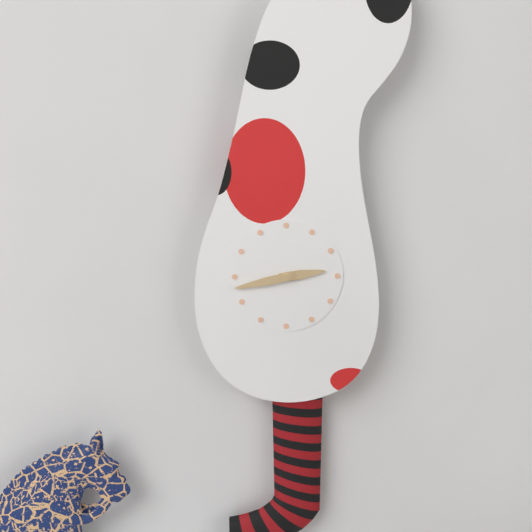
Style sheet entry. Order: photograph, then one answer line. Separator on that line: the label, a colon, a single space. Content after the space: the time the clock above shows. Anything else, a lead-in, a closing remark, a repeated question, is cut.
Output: 2:43
